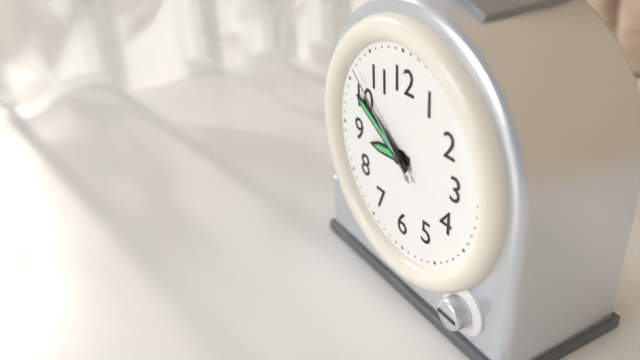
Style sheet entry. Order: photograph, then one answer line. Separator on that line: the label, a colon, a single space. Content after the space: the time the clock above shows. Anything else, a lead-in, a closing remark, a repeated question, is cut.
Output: 8:50:52
